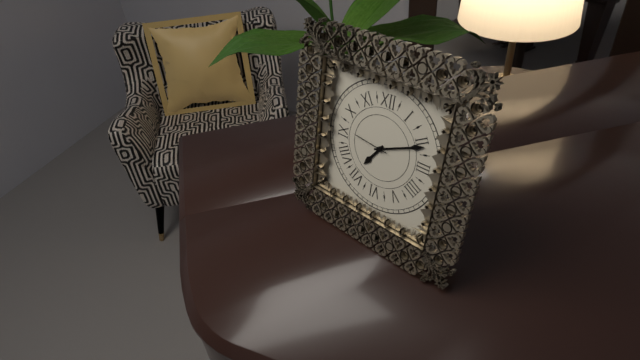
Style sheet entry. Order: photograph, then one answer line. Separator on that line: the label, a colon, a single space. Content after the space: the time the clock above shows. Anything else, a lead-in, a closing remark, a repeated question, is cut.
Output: 7:11
